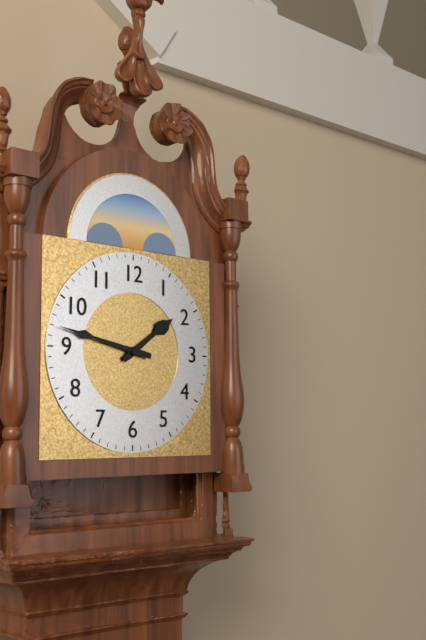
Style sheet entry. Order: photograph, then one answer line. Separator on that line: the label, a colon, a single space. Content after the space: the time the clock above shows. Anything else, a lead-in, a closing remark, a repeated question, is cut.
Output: 1:47
